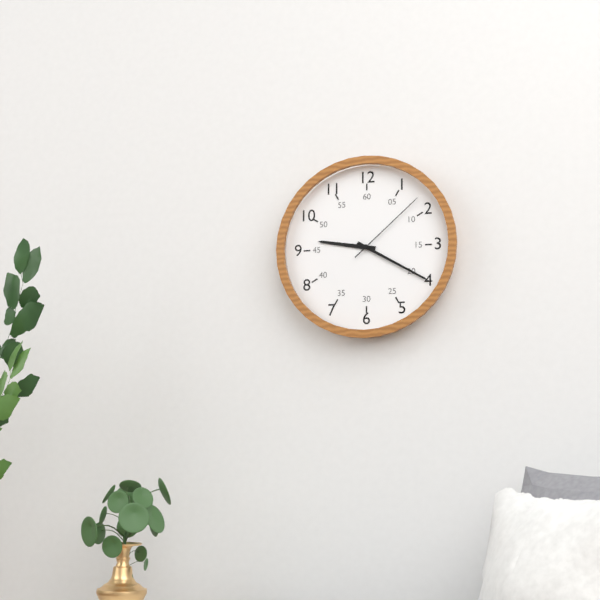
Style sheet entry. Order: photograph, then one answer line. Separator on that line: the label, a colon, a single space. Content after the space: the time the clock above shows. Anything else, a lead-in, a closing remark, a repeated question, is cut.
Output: 9:20:08
